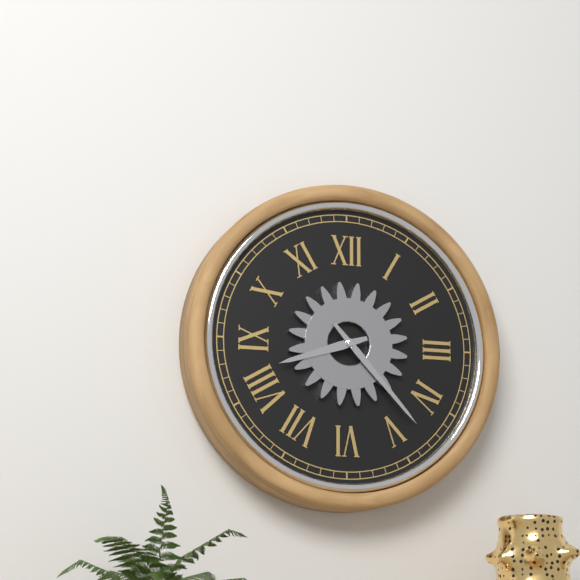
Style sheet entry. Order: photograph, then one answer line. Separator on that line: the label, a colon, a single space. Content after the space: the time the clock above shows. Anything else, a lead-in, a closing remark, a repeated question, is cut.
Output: 8:23
